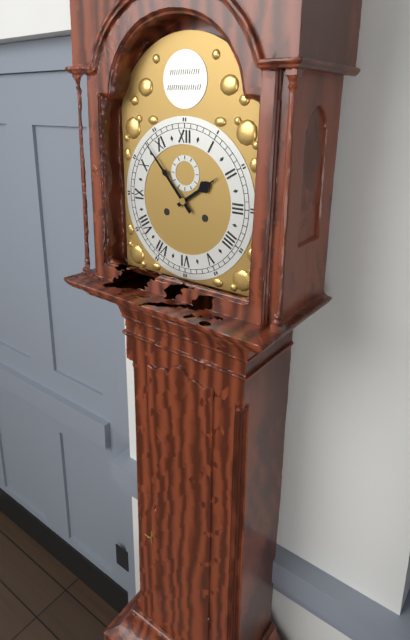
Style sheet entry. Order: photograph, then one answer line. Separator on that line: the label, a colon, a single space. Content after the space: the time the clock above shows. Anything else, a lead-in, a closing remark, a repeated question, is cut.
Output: 1:53
